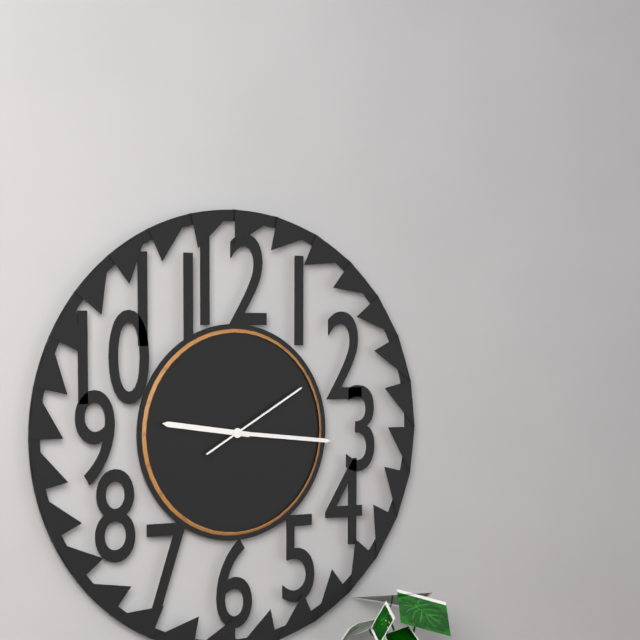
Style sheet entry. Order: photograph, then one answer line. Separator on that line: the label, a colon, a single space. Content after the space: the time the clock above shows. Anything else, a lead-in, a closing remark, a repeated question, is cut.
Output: 9:16:10
